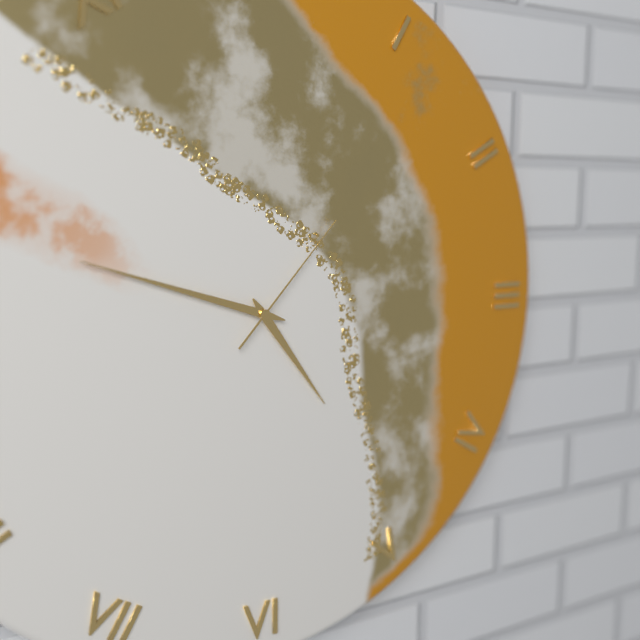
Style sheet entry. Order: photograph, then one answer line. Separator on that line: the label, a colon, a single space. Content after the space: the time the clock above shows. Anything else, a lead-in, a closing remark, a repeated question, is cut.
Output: 4:48:07
